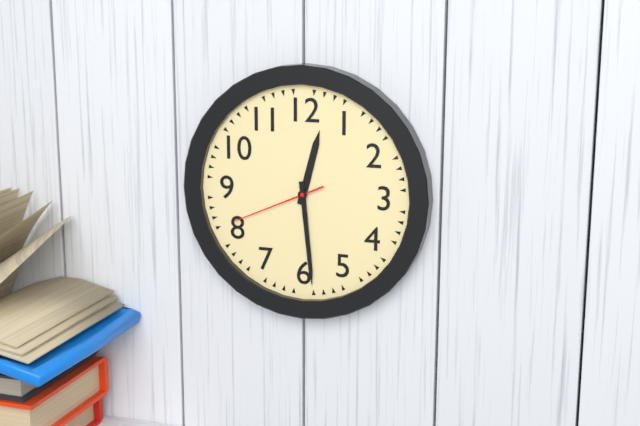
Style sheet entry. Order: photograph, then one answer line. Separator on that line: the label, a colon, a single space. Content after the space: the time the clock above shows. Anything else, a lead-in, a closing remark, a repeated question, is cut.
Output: 12:29:41
